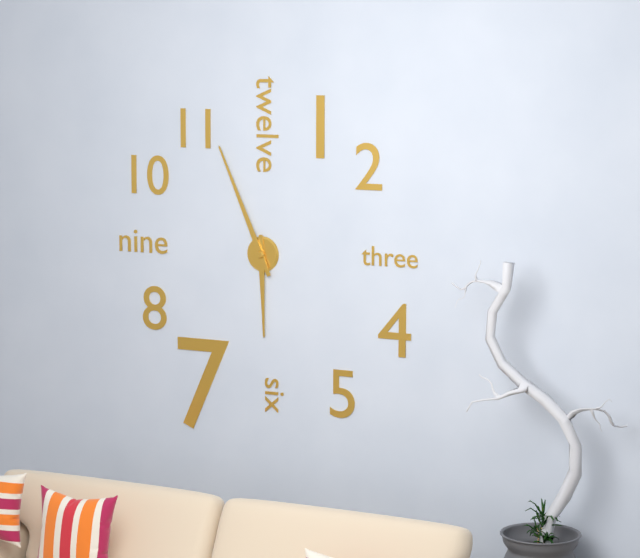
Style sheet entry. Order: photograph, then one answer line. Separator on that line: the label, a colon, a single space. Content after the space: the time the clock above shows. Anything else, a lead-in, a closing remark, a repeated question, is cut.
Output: 5:56
